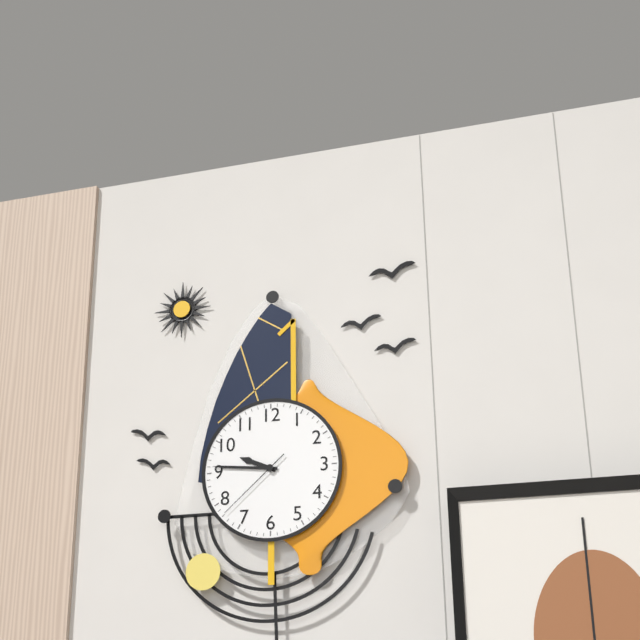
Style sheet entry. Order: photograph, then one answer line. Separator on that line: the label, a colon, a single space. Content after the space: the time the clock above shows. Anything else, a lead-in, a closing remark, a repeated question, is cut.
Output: 9:46:38
